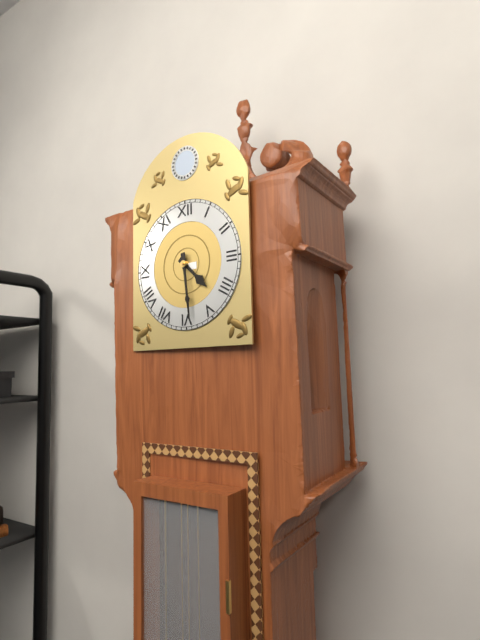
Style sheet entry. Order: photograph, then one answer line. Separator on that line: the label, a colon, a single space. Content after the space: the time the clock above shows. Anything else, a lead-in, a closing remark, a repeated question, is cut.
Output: 4:29
